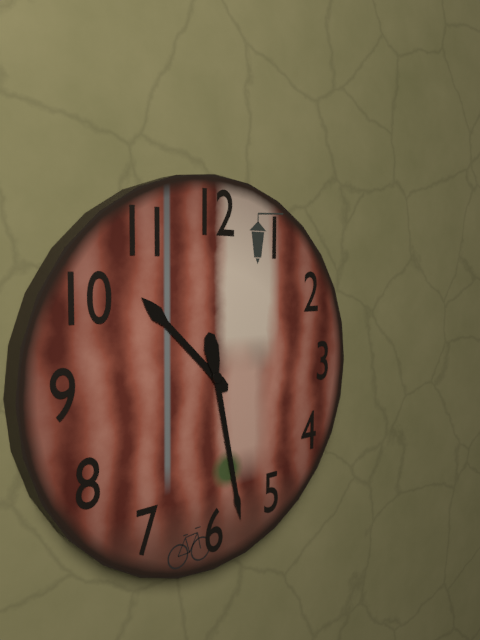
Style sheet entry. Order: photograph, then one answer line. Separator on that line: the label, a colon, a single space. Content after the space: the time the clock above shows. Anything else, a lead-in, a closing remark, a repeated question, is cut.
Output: 10:28
